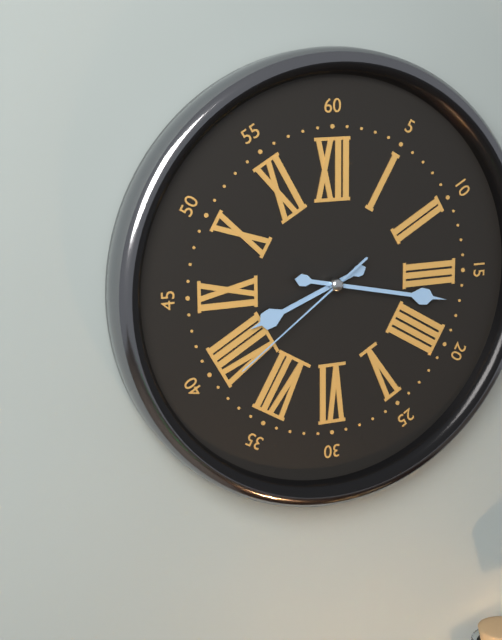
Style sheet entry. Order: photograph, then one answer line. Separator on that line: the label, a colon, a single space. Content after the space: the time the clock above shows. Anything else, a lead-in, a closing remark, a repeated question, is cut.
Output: 8:17:39
